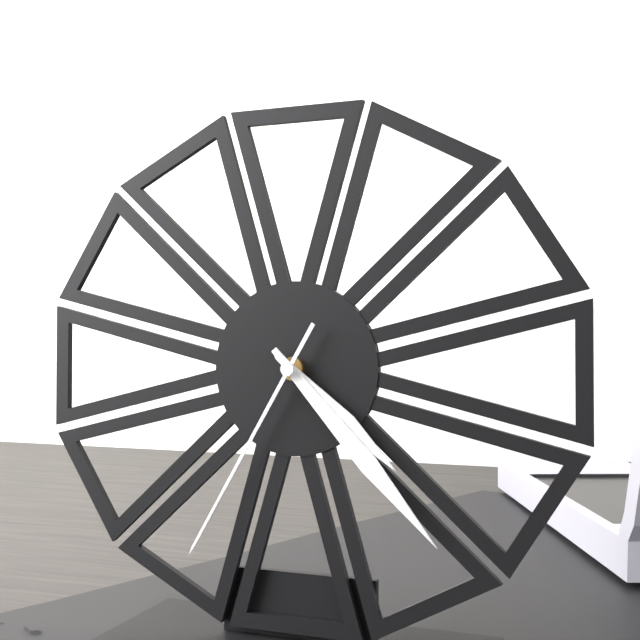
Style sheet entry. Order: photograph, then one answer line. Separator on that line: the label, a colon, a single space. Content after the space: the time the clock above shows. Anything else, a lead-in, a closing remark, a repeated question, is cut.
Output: 4:23:35
